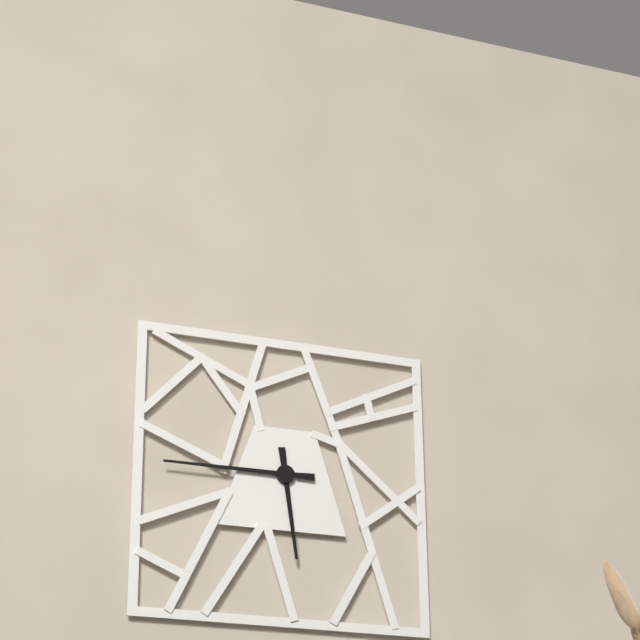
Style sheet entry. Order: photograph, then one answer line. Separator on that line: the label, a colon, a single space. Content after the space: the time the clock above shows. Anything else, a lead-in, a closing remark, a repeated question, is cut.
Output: 5:45
